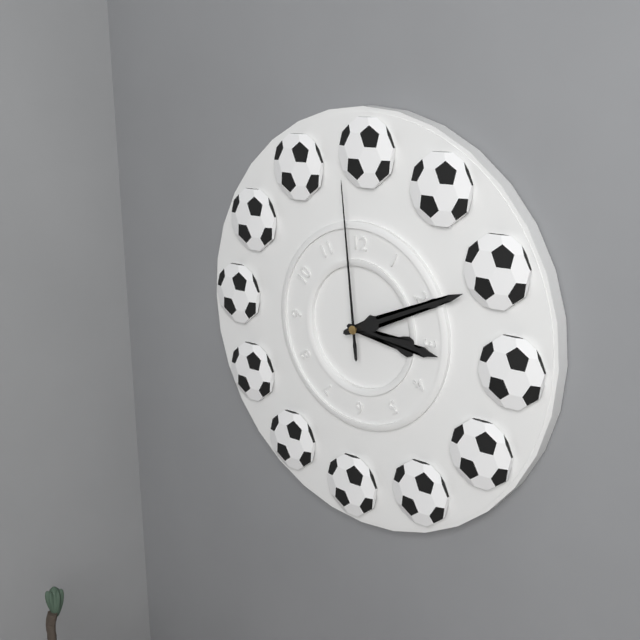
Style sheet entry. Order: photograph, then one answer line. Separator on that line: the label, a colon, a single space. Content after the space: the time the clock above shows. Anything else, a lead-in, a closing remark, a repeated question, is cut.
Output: 3:11:59
